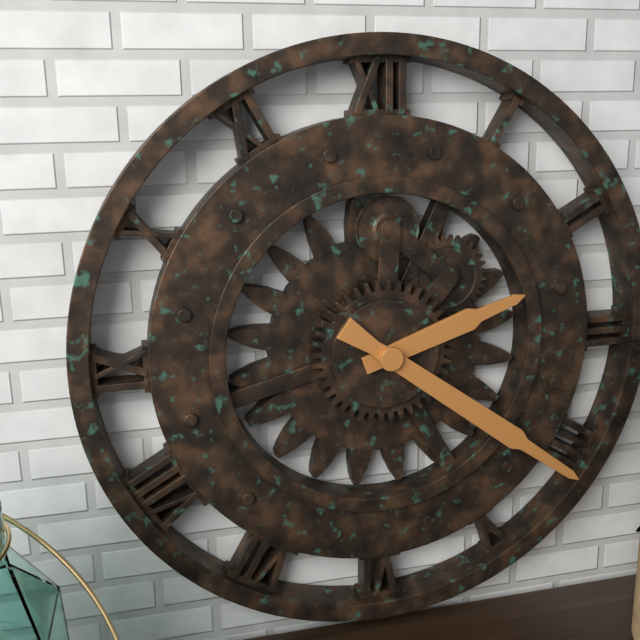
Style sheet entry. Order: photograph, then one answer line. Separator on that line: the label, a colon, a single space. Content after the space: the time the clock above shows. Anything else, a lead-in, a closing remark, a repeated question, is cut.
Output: 2:21
